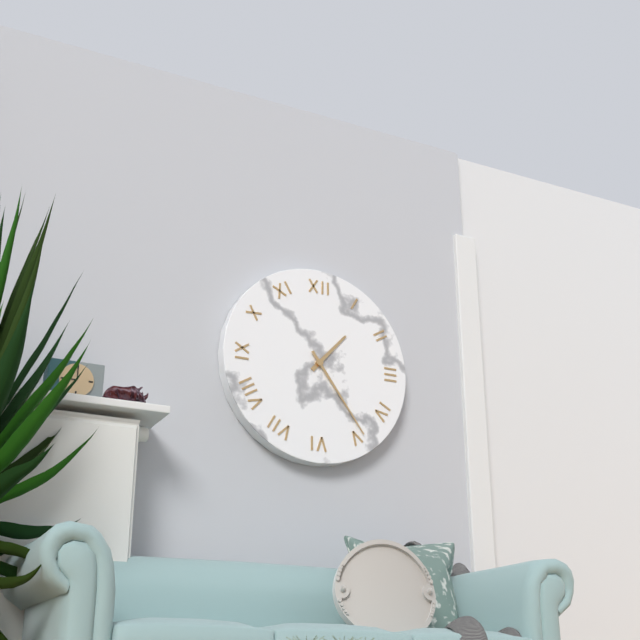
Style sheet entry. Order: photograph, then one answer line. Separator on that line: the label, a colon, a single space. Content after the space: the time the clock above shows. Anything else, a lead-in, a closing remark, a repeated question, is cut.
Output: 1:24
